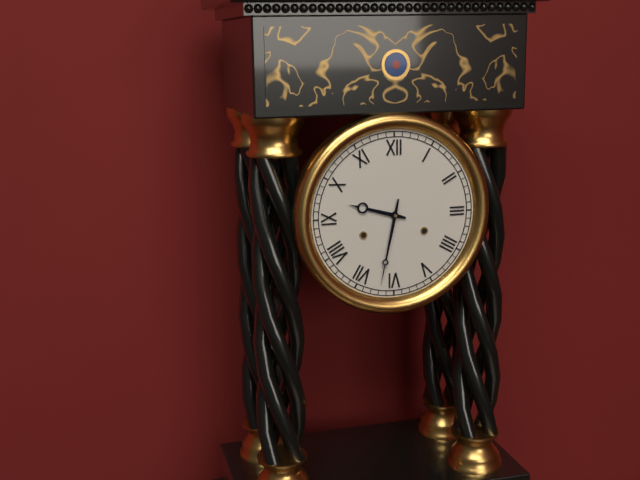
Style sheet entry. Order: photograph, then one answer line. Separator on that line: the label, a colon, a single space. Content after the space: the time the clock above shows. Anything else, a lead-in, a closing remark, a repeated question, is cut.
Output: 9:32
